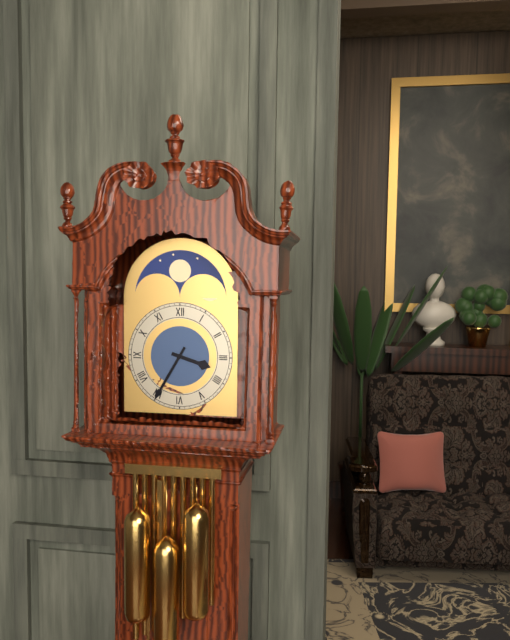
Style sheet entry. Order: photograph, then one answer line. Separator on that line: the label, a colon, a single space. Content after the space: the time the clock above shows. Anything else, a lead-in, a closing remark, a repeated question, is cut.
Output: 3:35
